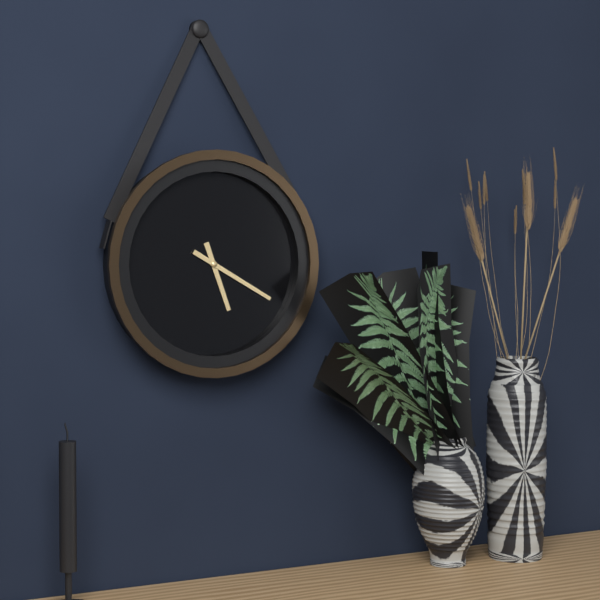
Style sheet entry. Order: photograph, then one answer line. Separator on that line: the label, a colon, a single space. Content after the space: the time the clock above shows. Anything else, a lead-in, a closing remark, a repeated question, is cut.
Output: 5:20
